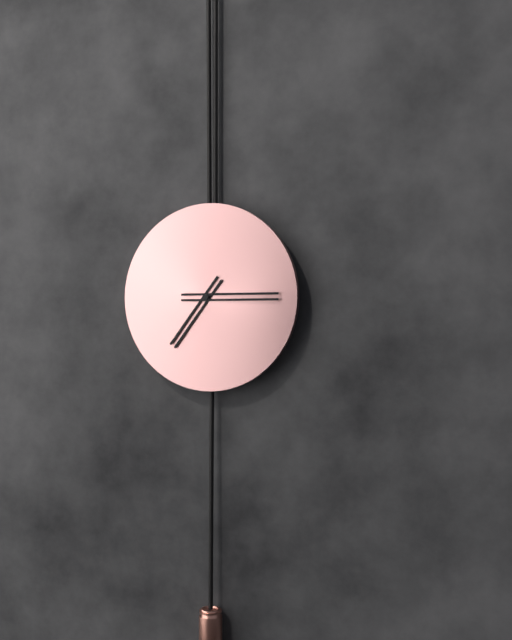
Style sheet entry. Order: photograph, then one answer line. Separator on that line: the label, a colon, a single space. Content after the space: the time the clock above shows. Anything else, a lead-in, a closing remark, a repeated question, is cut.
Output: 7:15
